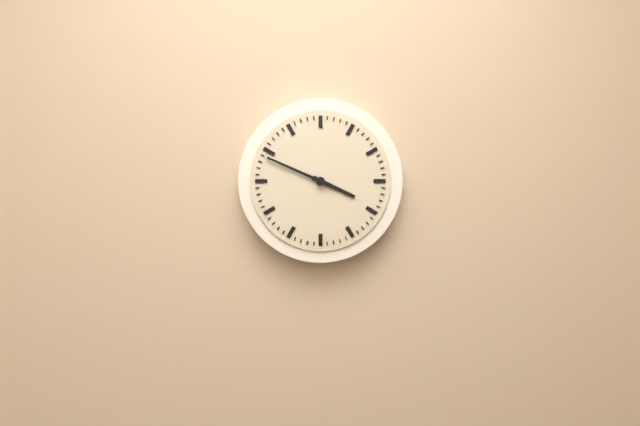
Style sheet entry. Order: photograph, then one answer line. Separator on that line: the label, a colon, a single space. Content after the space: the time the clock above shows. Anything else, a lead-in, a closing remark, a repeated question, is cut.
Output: 3:49
